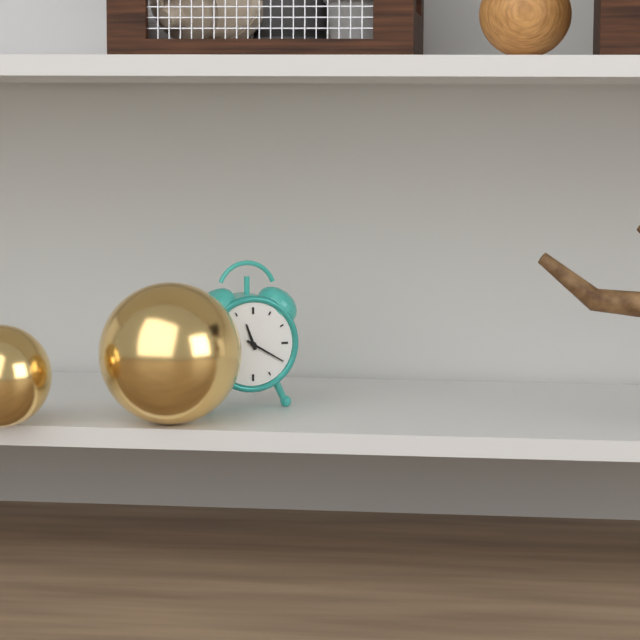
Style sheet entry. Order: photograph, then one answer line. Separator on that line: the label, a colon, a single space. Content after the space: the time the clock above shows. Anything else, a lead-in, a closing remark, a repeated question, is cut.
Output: 11:20
